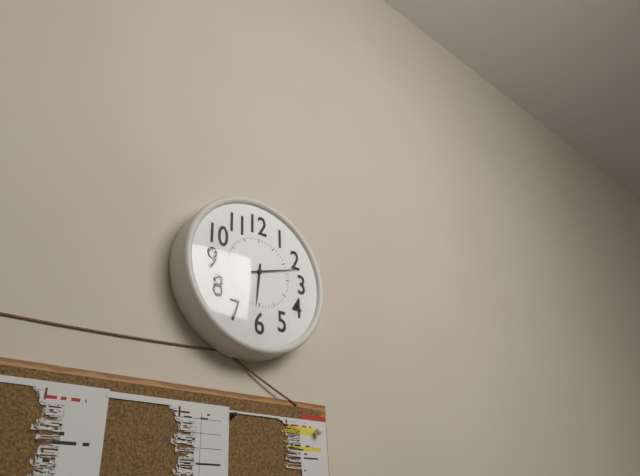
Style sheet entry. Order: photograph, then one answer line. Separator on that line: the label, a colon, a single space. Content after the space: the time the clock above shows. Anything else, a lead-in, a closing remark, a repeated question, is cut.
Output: 6:12
